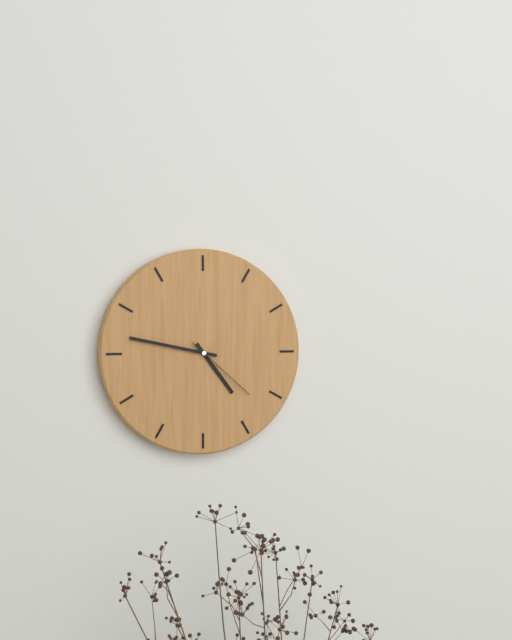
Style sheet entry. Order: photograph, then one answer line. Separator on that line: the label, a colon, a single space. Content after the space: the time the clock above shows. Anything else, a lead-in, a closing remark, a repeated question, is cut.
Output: 4:47:22
